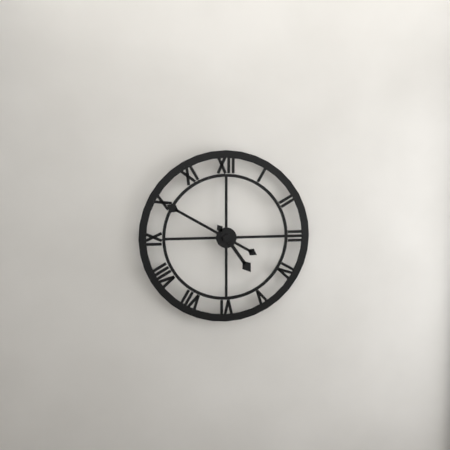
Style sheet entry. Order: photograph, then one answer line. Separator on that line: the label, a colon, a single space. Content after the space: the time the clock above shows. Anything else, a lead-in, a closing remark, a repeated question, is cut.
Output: 4:50
